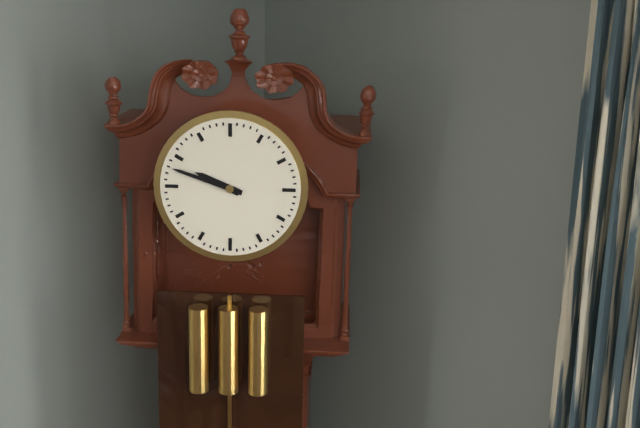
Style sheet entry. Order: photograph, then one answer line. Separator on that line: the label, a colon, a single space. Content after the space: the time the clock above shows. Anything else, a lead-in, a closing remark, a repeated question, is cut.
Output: 9:48
